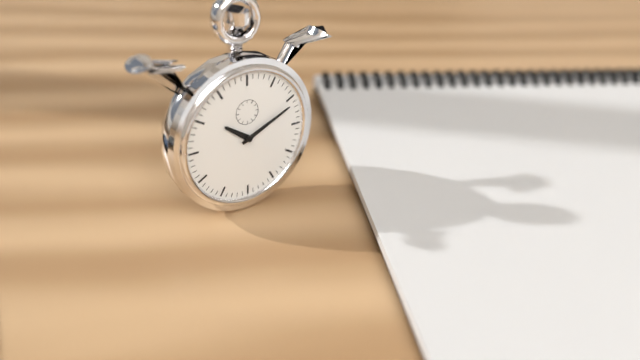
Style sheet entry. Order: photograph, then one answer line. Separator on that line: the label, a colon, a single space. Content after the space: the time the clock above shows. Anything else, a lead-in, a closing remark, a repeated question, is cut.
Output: 10:11
